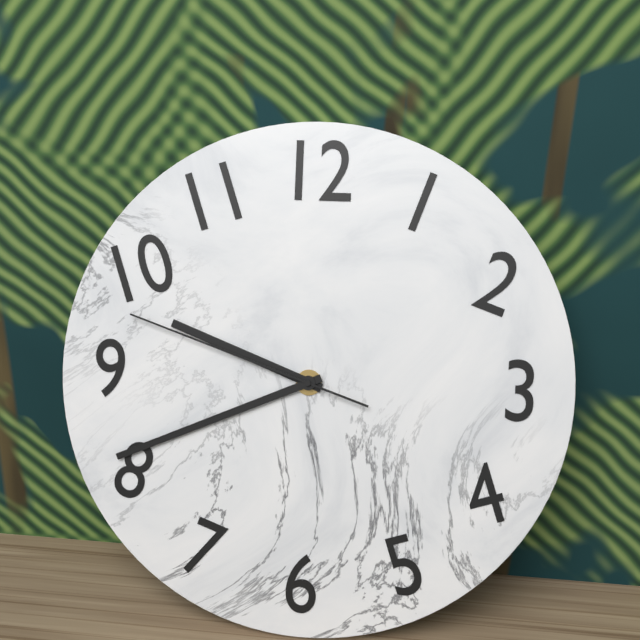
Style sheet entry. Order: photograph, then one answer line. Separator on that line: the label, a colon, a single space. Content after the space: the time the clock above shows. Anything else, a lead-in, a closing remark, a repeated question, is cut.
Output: 9:41:48
